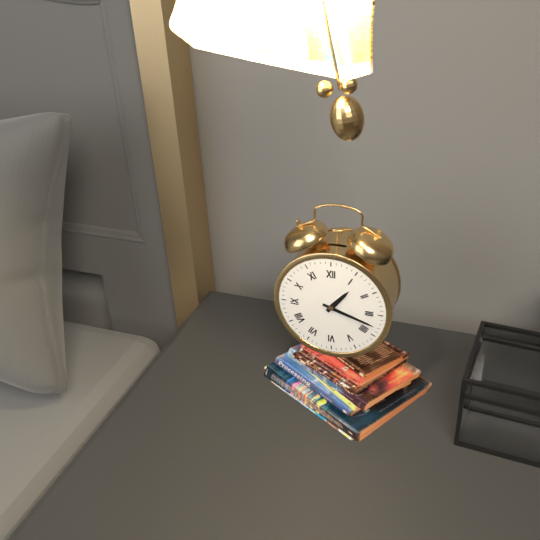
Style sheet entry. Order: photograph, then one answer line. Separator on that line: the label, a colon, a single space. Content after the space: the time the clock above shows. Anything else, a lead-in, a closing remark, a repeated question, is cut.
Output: 1:18
